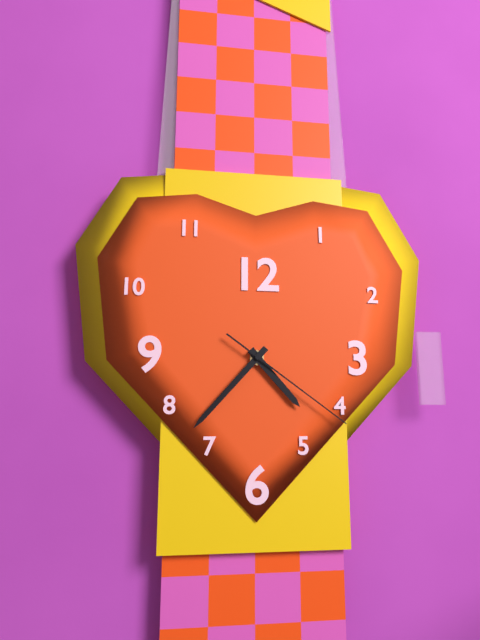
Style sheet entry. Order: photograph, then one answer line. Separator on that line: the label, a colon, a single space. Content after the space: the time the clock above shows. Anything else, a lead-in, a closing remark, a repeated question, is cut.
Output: 4:37:21
